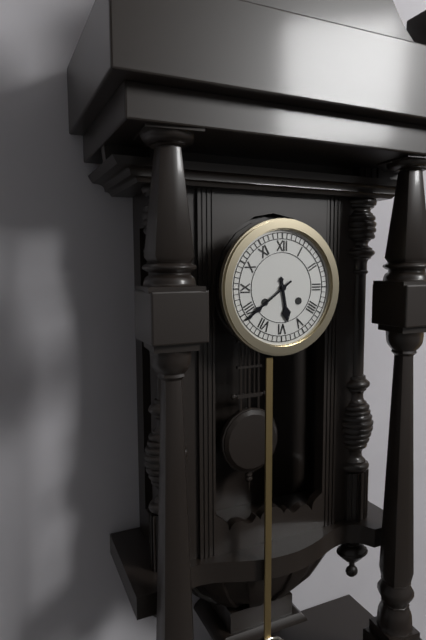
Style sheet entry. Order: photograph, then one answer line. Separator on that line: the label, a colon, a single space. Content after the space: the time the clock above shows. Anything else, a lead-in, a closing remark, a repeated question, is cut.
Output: 5:39
